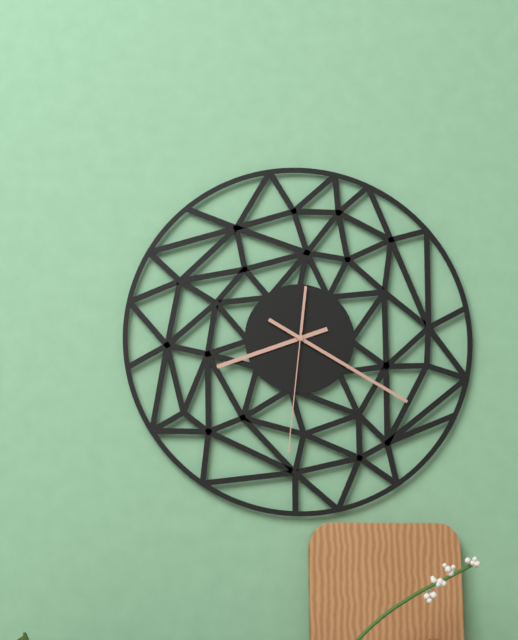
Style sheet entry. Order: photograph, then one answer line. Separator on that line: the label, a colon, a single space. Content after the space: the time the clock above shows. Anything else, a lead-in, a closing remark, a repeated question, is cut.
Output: 8:20:31
